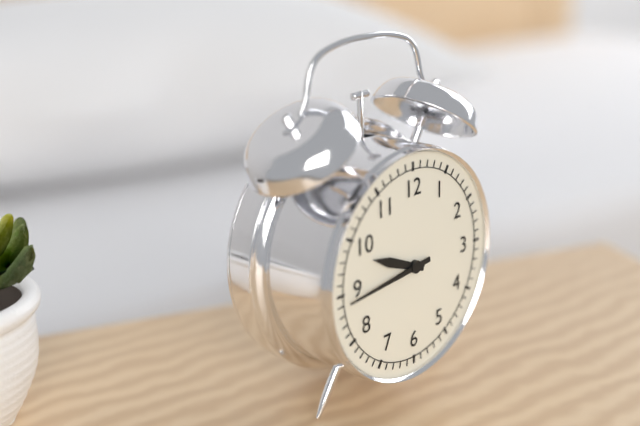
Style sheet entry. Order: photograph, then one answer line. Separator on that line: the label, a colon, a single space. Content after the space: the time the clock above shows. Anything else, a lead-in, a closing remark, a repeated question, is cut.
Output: 9:44
